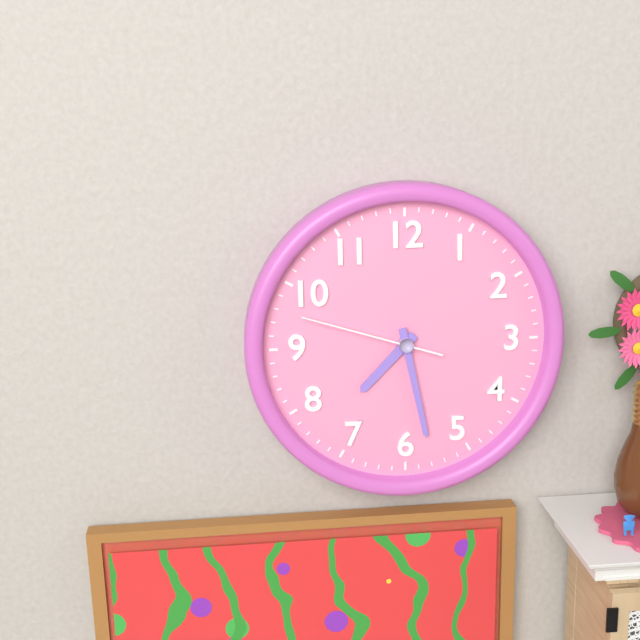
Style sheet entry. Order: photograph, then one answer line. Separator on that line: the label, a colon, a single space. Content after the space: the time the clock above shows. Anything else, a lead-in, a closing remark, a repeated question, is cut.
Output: 7:28:48
